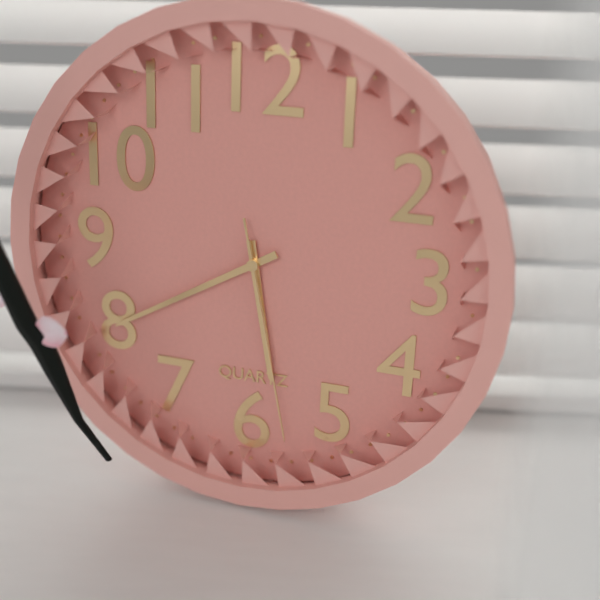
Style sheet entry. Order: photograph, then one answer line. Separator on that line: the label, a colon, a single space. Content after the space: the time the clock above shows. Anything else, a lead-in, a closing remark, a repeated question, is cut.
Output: 5:40:28
